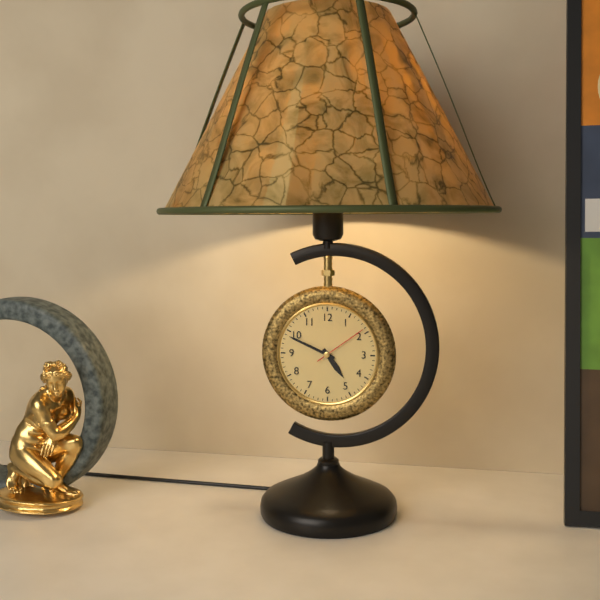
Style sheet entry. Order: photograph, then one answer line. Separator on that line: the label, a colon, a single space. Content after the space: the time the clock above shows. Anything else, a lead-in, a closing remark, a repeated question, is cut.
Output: 4:49:09
